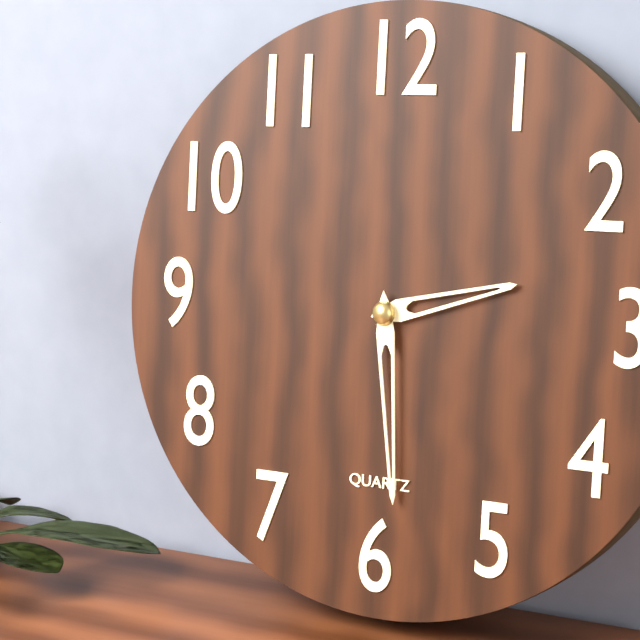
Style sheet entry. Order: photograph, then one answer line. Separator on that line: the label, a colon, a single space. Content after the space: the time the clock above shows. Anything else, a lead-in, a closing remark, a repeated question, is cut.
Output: 2:29
